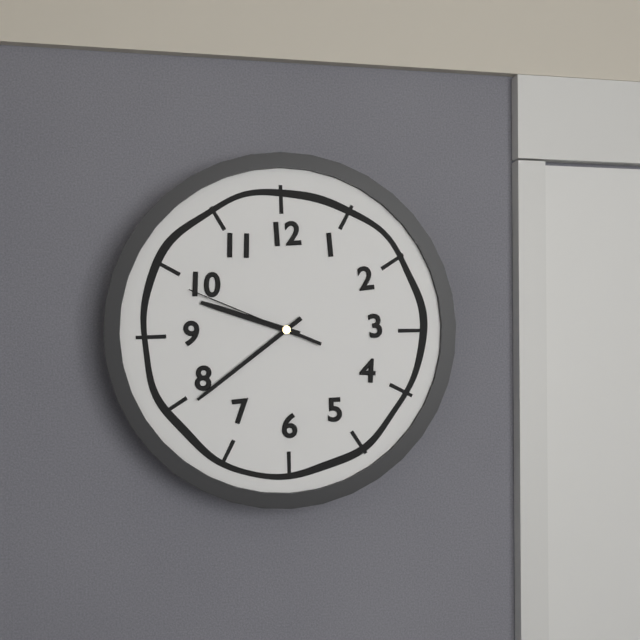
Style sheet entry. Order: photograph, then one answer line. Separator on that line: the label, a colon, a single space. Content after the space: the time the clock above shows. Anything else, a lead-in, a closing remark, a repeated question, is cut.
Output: 9:39:49
